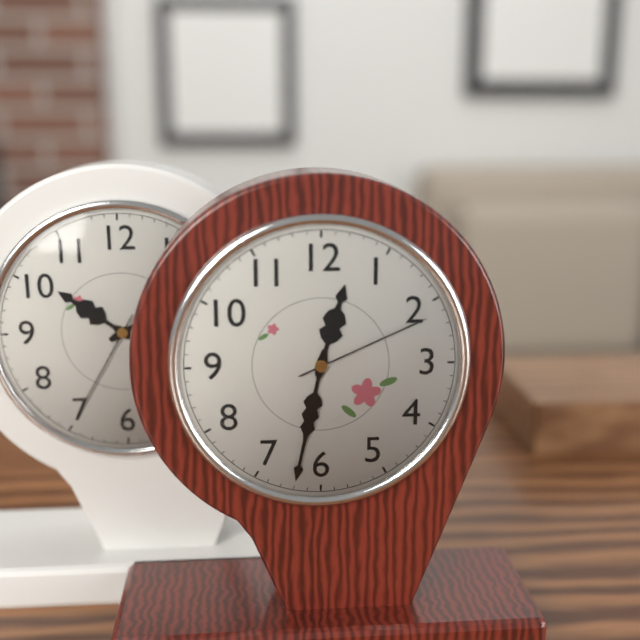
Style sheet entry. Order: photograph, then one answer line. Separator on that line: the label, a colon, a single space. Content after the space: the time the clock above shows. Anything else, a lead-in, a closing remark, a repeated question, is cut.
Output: 12:32:11
